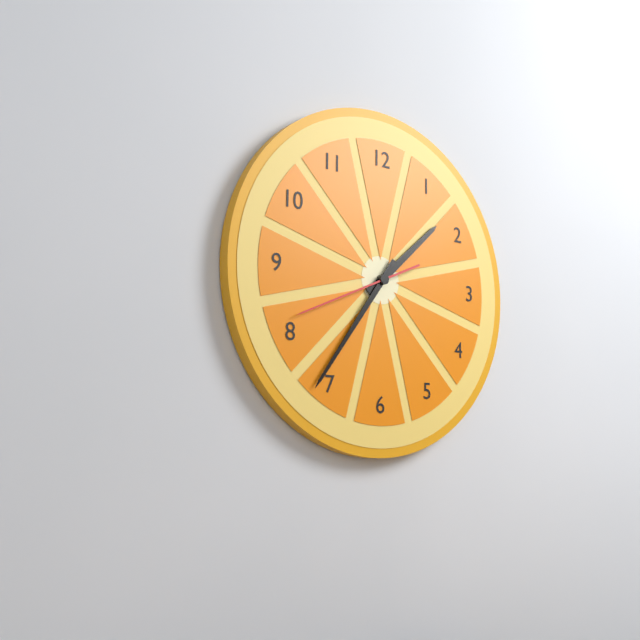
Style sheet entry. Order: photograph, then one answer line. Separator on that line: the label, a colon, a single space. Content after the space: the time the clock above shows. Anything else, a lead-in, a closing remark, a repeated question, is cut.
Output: 1:36:41
